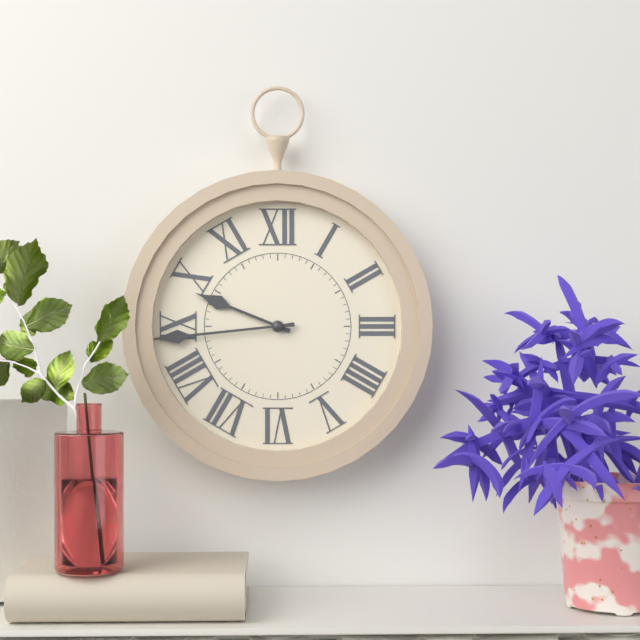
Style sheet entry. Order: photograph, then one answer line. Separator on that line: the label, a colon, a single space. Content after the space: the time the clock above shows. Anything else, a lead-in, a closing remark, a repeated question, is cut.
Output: 9:44
